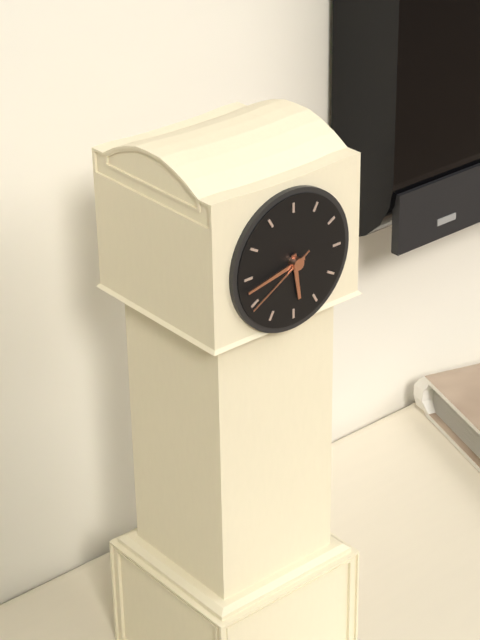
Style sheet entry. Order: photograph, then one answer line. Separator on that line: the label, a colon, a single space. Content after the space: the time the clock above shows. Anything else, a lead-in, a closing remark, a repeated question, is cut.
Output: 5:43:40
